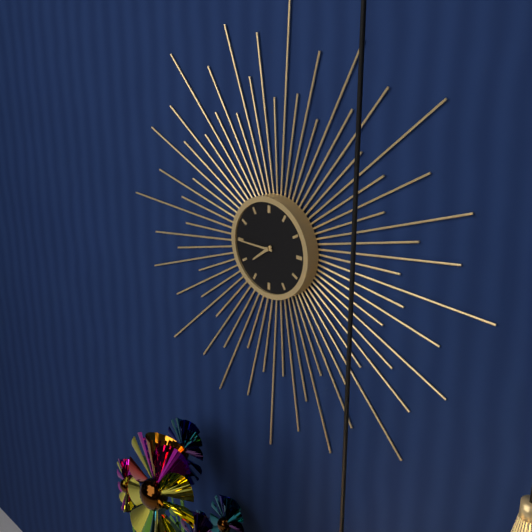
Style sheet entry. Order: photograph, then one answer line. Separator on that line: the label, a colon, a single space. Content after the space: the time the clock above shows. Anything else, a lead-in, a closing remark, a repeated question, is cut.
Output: 7:45
